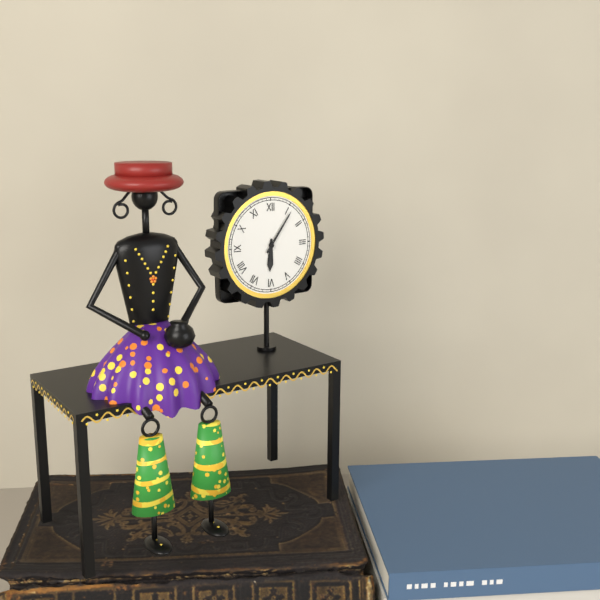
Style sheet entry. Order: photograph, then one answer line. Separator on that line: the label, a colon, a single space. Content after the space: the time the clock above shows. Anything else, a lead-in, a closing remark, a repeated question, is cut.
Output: 6:06
